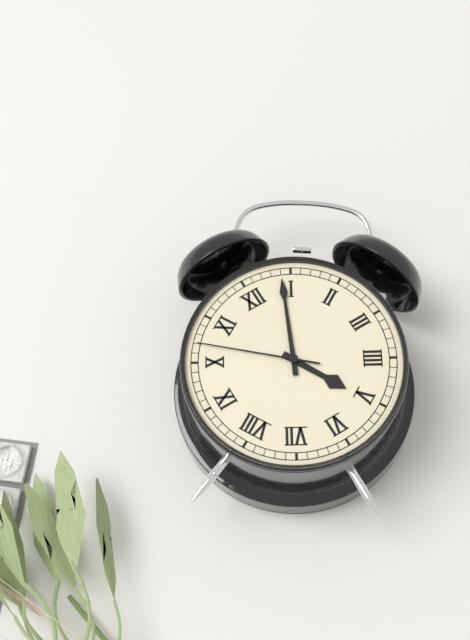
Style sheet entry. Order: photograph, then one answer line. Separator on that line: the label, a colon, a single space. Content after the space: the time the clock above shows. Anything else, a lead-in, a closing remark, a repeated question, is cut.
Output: 5:04:52
